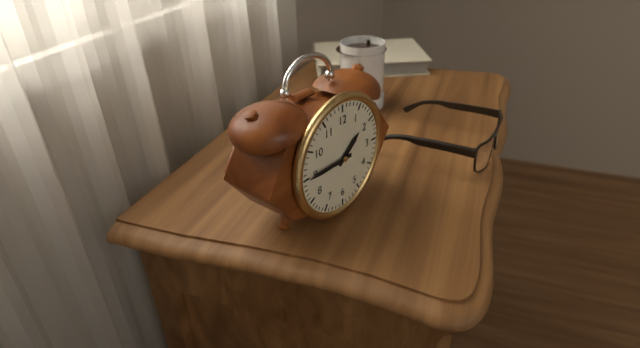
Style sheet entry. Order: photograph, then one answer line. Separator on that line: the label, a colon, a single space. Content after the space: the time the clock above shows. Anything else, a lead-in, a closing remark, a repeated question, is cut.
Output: 1:45
